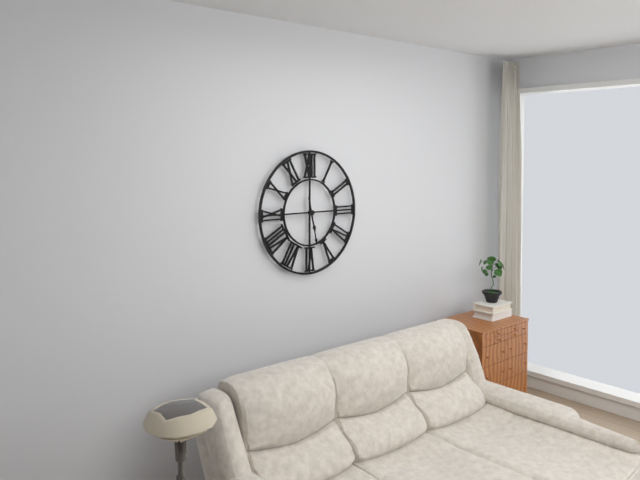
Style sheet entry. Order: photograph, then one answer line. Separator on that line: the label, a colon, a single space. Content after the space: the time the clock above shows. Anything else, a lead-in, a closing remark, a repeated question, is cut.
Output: 5:28
